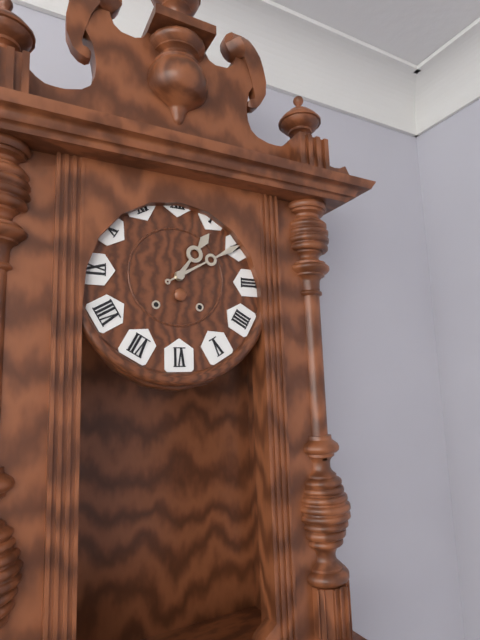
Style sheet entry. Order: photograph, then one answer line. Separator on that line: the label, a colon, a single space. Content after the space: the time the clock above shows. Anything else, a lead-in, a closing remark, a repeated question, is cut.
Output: 1:10
